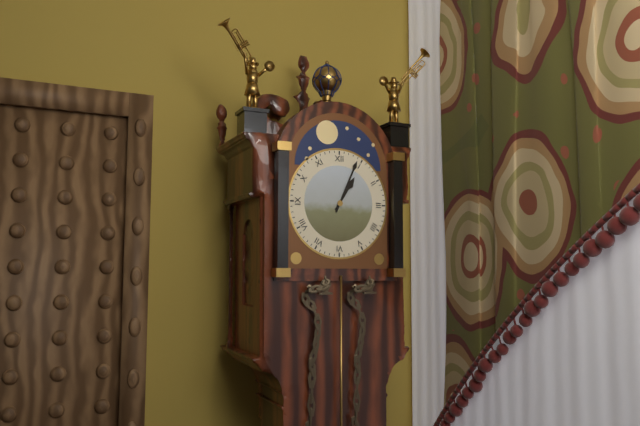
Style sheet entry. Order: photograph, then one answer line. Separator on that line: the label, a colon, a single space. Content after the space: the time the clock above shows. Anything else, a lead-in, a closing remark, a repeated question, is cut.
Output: 1:04
